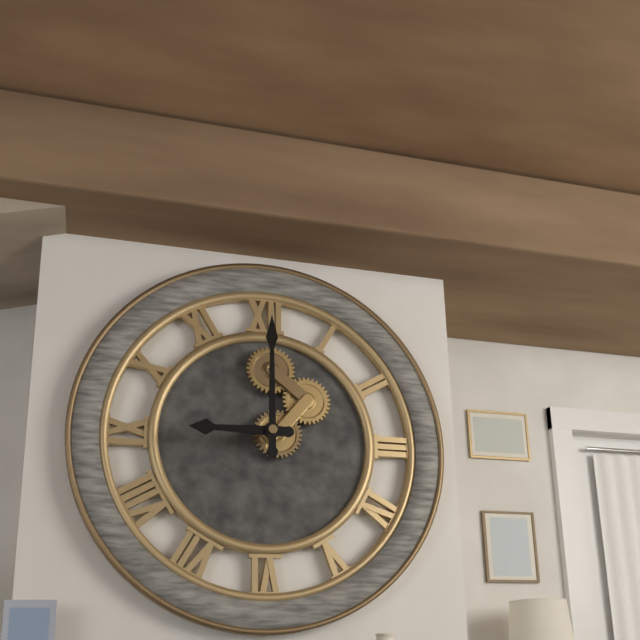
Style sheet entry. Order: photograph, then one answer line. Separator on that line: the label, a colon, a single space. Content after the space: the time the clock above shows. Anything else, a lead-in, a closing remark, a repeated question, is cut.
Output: 9:00
